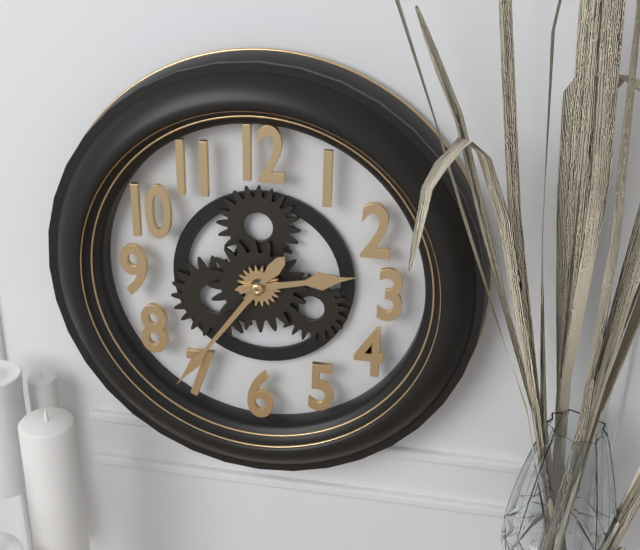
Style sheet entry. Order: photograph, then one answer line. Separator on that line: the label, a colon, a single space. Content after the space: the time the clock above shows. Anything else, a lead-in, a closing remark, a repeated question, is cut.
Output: 2:36
